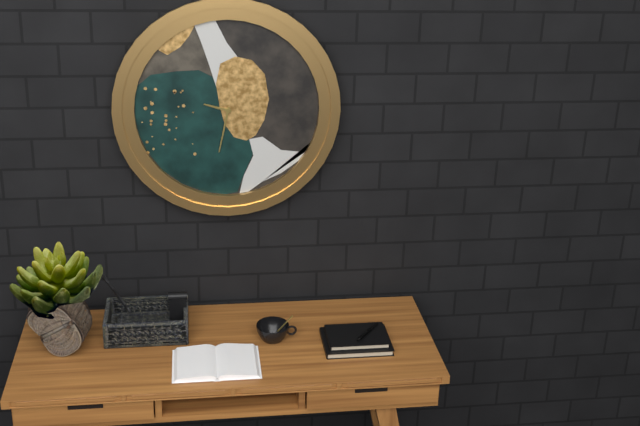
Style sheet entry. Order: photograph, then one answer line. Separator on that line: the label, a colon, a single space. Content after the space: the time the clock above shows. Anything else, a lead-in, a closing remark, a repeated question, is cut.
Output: 9:32
